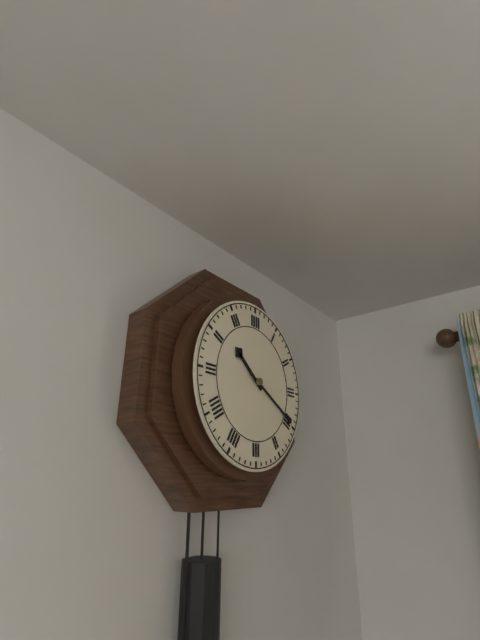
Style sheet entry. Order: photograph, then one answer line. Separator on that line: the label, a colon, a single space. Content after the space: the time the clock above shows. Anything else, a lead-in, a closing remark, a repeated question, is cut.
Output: 10:20
